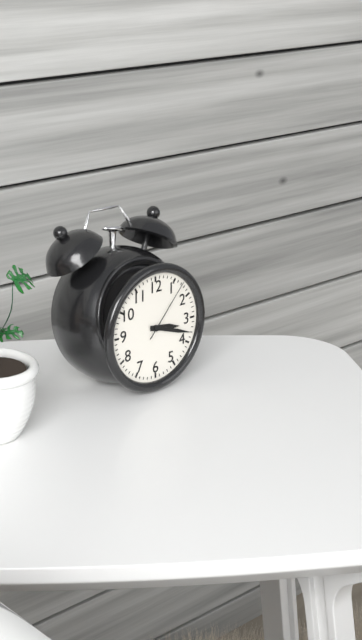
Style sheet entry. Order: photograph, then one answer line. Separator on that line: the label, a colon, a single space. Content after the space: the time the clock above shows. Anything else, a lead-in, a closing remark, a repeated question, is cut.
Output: 3:18:07
